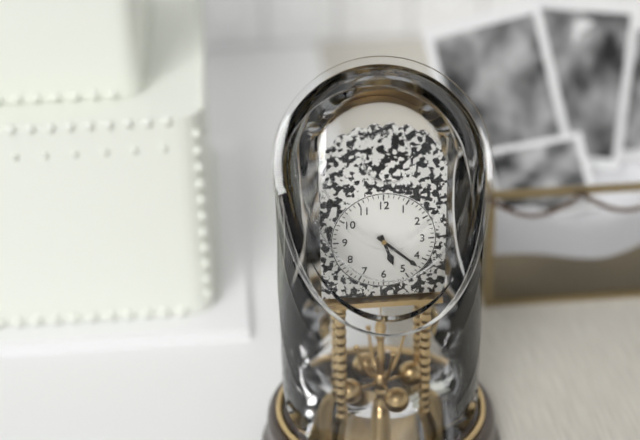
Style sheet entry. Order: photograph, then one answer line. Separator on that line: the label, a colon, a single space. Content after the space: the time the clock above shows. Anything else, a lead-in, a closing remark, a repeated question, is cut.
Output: 5:22
